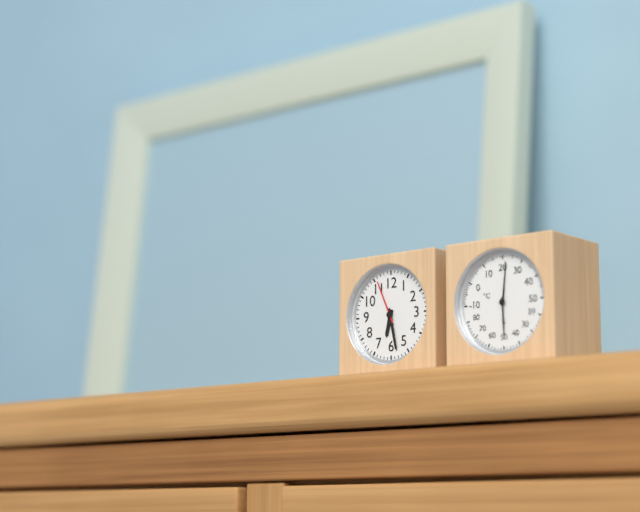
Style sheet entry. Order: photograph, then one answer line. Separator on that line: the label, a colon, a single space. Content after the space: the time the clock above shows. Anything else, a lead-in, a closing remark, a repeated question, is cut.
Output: 6:28
